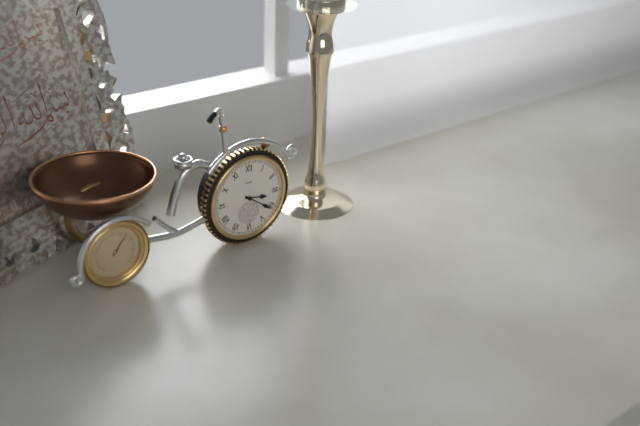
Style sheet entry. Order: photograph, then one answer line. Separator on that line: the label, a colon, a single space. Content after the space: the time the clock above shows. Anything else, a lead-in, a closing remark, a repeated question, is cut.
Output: 3:21
